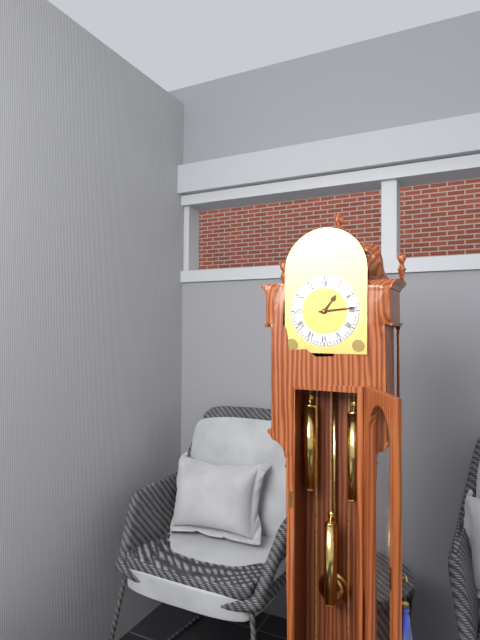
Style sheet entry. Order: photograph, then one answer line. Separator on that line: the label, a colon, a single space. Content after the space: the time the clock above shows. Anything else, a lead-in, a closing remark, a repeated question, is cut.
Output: 1:14
